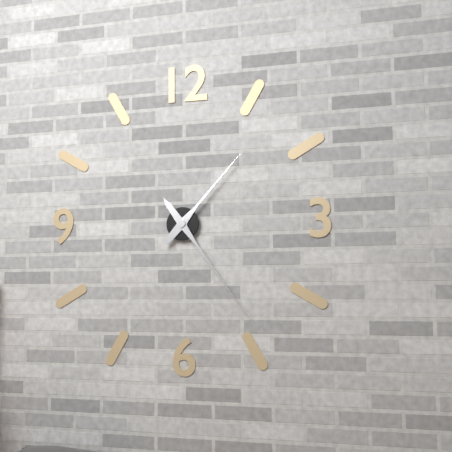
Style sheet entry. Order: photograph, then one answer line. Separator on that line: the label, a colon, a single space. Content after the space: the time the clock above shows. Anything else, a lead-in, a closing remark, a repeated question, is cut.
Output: 1:24
